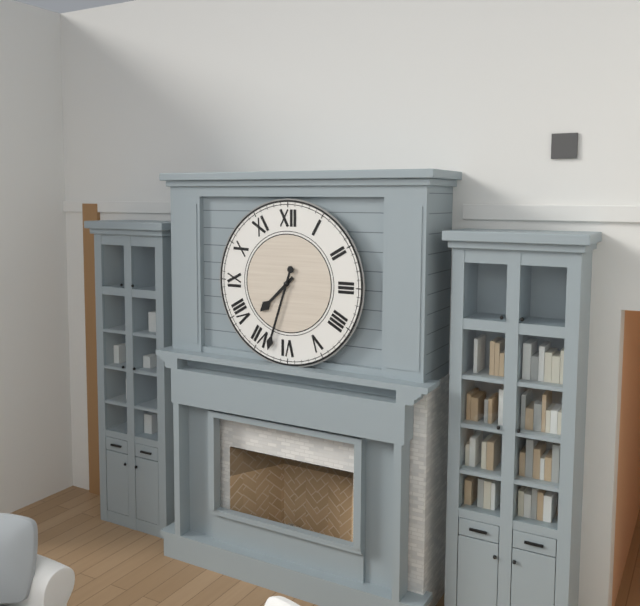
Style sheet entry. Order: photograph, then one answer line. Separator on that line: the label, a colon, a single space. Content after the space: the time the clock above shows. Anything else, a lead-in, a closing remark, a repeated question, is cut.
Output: 7:33
